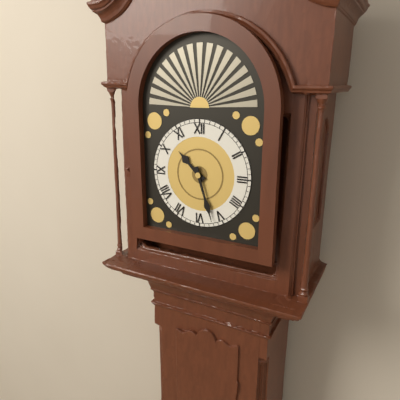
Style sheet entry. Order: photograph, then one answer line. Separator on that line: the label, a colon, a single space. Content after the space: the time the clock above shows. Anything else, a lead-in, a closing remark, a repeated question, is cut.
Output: 10:27
